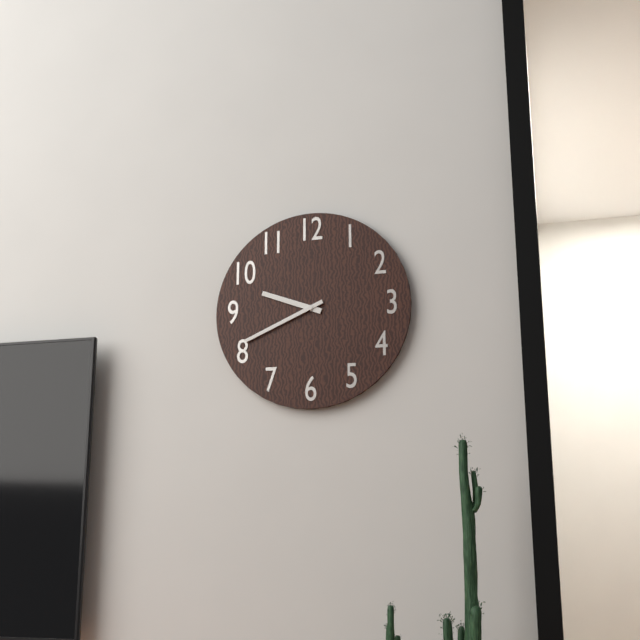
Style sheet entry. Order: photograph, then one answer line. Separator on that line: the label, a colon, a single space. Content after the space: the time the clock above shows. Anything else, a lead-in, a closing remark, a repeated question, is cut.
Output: 9:41
